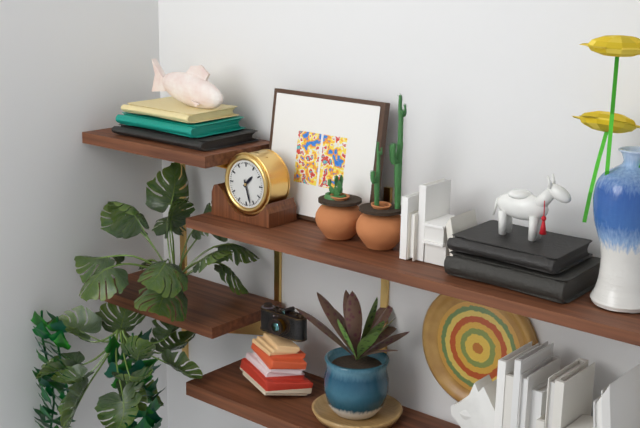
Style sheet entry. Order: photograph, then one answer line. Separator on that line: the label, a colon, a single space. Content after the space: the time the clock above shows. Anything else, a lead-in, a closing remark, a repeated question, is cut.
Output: 1:27
